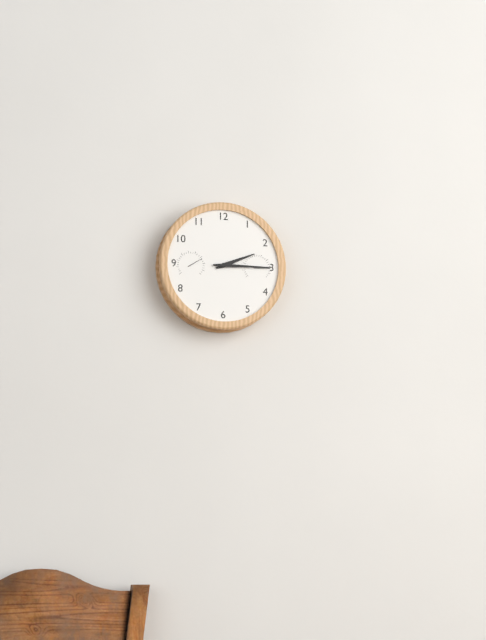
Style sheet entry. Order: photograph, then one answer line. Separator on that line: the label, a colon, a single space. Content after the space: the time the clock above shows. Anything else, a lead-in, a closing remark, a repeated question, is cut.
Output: 2:15
